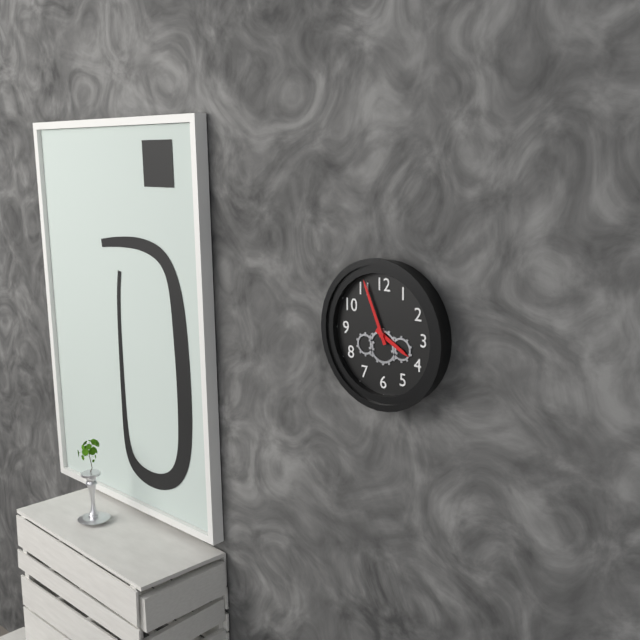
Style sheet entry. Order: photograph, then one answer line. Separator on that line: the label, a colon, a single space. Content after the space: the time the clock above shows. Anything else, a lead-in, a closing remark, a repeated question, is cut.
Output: 3:56
